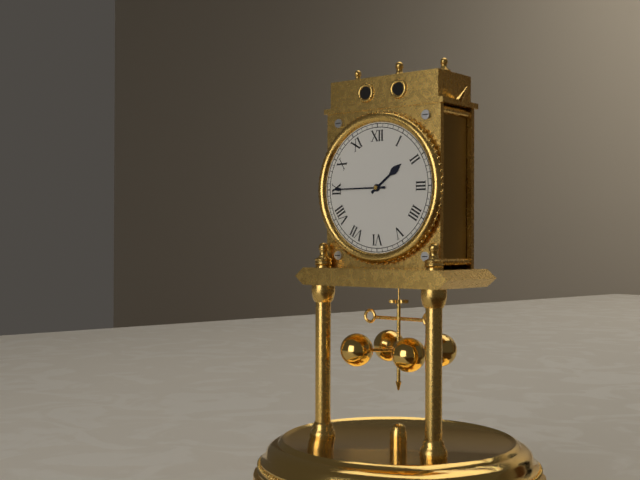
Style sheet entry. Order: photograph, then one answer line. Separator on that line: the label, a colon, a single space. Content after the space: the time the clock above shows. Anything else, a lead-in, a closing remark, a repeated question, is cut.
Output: 1:45
